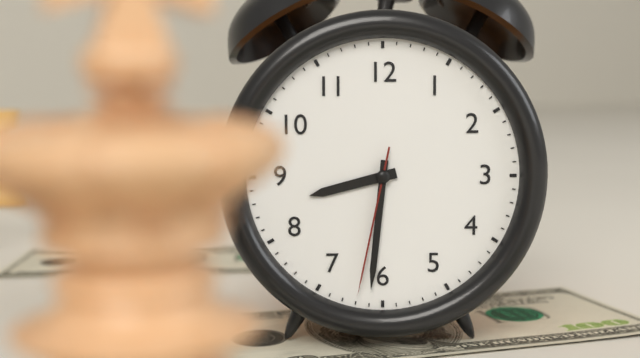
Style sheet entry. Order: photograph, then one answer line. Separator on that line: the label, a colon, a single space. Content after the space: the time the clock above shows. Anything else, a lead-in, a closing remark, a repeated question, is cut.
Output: 8:31:32
